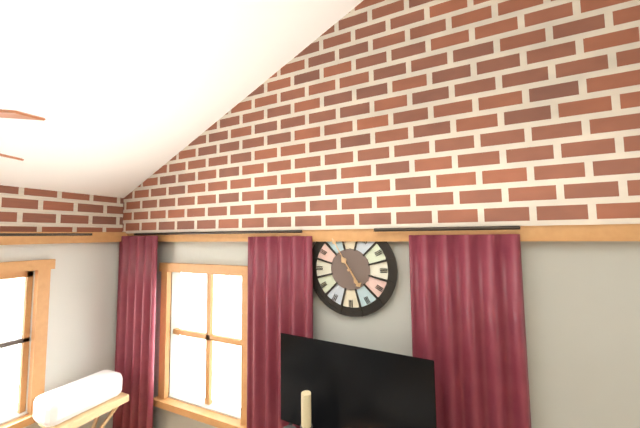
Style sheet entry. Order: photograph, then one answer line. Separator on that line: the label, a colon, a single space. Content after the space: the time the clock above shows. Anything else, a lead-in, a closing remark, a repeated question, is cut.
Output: 4:55
